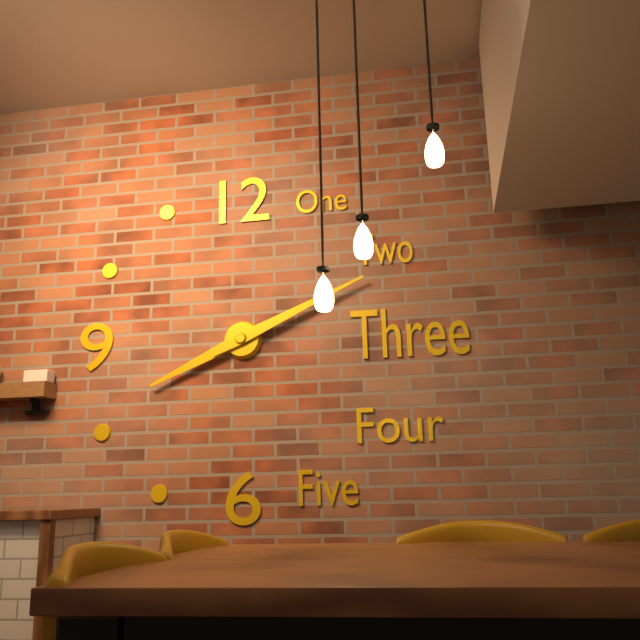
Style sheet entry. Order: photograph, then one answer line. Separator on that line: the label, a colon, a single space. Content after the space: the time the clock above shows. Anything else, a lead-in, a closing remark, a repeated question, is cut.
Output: 8:11
